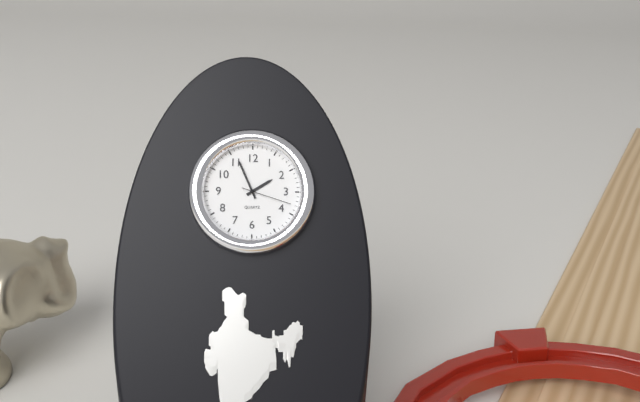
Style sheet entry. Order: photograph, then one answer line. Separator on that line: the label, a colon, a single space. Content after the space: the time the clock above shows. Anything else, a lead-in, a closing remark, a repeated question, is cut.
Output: 1:56:18
